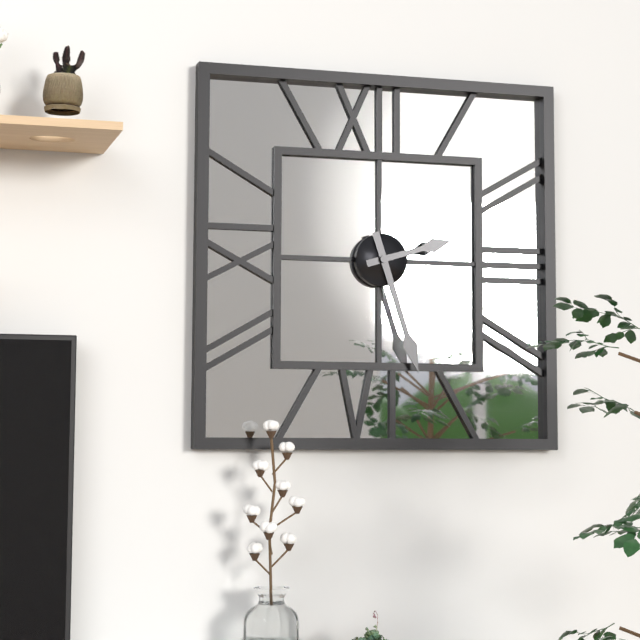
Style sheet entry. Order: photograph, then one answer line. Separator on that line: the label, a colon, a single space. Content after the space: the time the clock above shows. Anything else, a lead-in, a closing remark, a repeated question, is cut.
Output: 2:27
